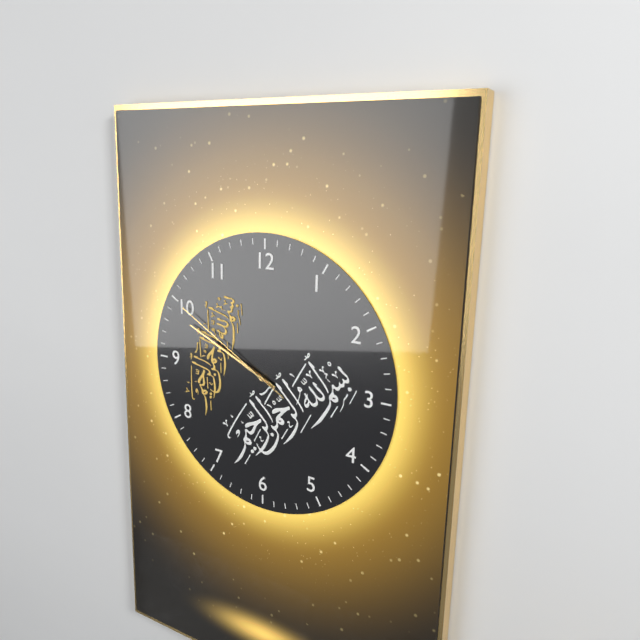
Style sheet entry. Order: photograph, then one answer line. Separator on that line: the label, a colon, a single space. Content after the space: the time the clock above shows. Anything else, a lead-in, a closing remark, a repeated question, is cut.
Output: 9:49:50
